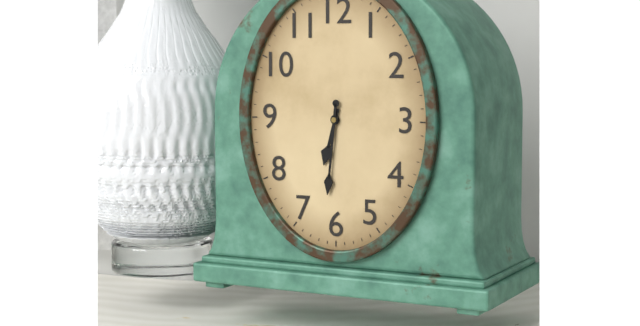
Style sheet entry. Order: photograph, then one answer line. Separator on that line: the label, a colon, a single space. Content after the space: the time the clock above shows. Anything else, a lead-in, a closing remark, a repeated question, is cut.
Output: 6:31
